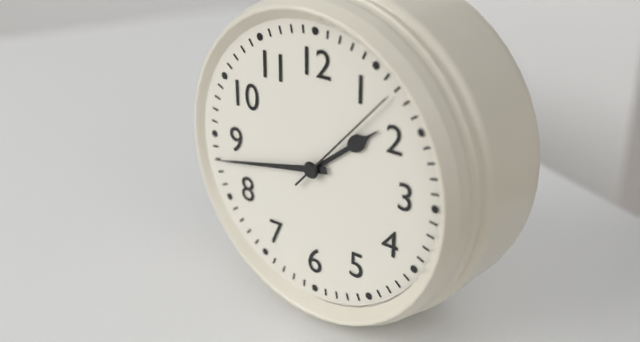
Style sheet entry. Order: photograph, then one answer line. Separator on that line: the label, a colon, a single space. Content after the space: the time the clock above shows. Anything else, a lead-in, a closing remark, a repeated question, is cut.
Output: 1:43:07
